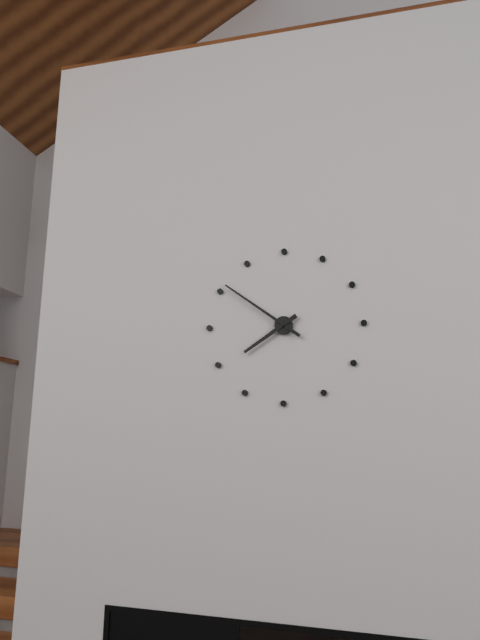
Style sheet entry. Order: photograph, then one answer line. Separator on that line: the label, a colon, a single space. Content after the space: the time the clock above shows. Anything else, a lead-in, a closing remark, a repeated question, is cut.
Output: 7:51
